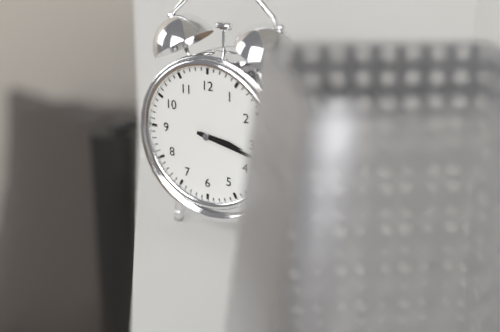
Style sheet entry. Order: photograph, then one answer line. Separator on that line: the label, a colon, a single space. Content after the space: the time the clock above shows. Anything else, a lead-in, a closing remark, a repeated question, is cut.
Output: 3:17
